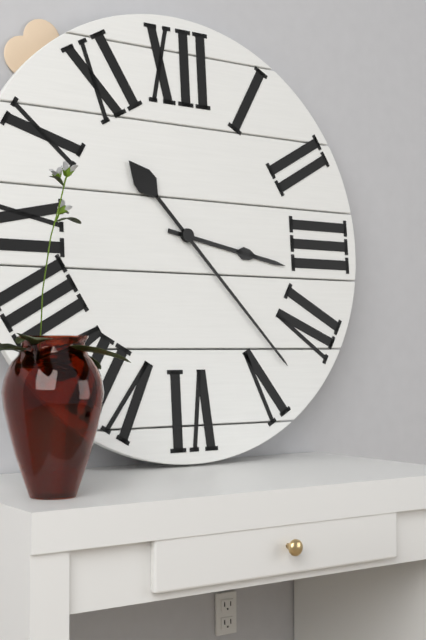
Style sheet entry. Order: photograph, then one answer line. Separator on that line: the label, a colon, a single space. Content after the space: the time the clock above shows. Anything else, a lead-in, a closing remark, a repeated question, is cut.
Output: 3:23
